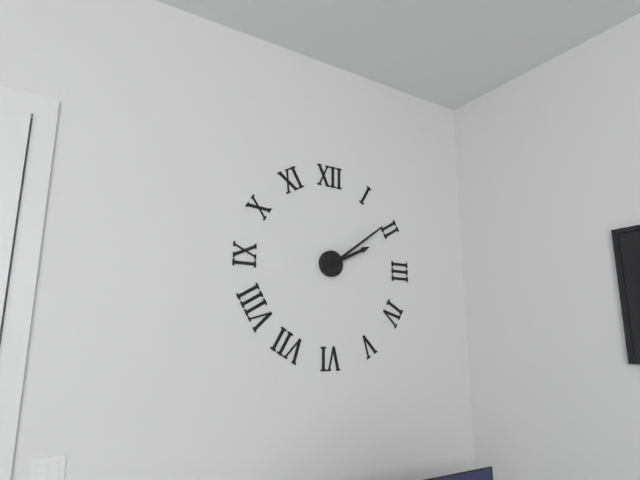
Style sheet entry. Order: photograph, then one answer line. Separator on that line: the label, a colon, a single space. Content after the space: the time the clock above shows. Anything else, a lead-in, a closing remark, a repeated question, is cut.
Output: 2:09
